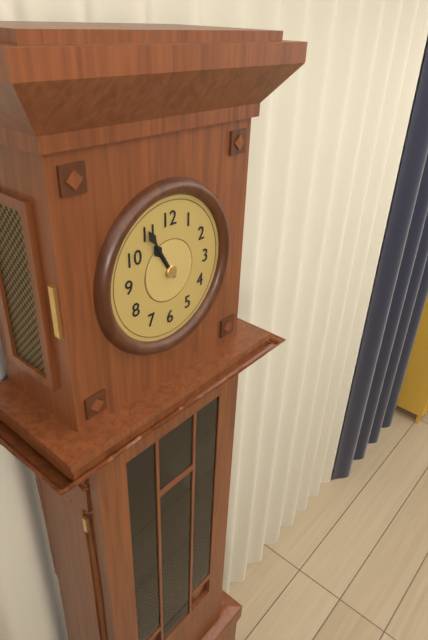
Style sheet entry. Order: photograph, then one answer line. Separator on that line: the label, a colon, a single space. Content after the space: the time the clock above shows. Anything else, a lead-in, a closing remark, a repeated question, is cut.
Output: 10:55
